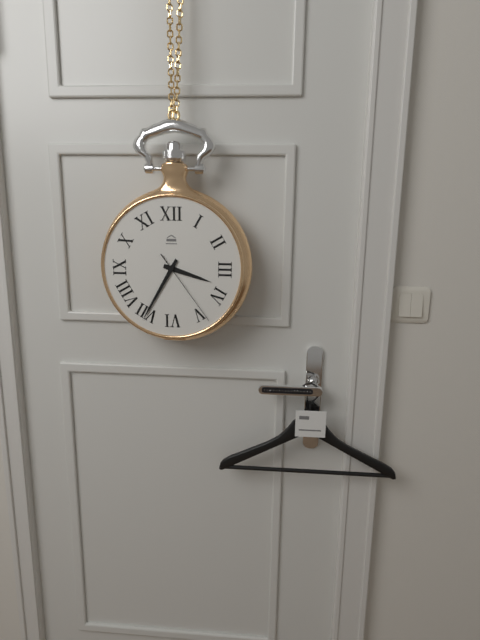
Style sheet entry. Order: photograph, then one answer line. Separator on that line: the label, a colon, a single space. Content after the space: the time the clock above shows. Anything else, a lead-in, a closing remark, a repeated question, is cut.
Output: 3:35:24
